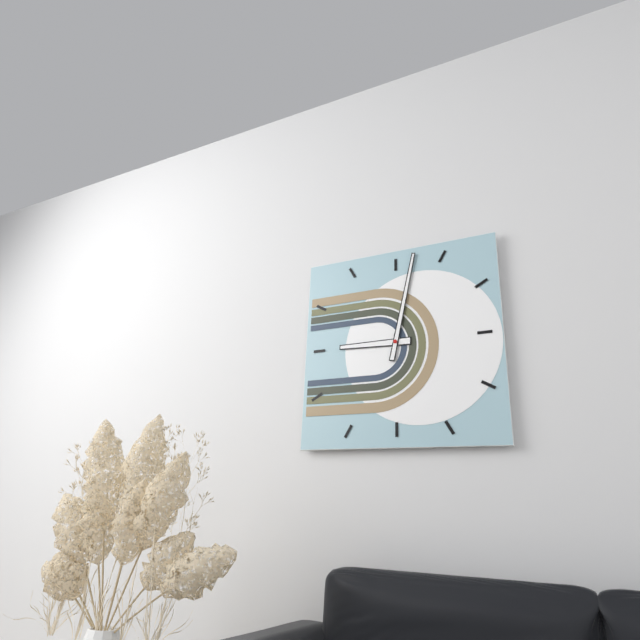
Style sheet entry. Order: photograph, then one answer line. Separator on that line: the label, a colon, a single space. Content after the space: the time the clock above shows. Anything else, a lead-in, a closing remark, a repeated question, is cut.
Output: 9:02
